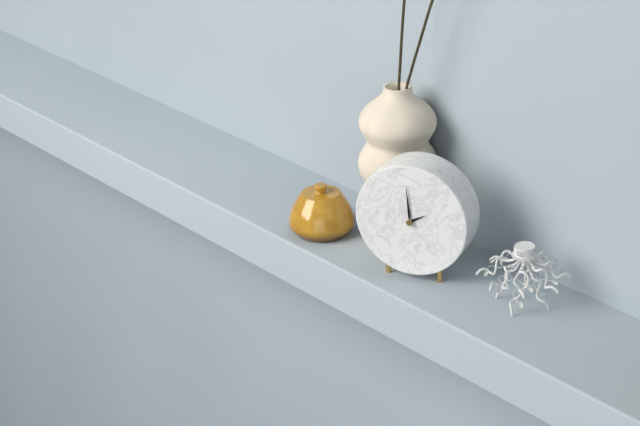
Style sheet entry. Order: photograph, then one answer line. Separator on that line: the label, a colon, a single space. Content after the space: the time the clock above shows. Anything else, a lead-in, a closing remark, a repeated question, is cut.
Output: 1:59
